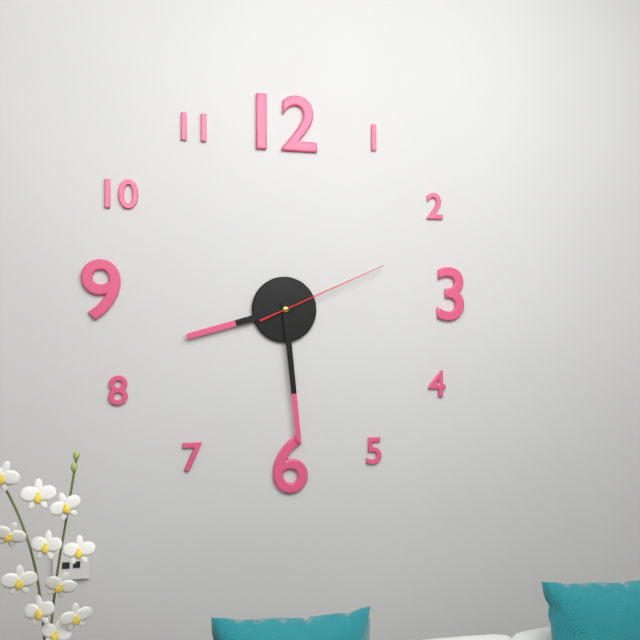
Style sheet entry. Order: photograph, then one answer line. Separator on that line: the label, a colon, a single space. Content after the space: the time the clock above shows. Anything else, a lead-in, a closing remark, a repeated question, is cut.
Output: 8:29:11
